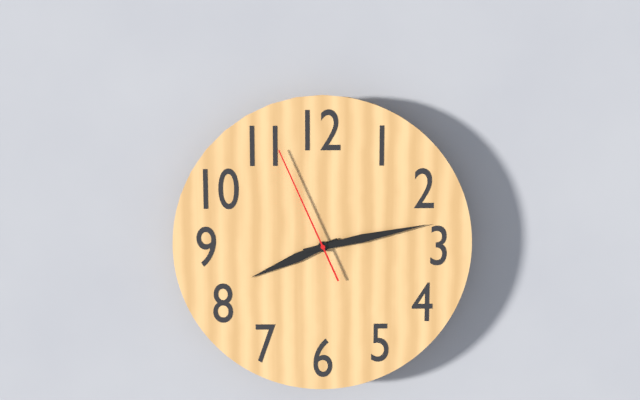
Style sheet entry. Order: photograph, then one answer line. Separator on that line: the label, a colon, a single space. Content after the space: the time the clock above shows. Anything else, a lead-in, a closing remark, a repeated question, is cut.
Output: 8:13:56
